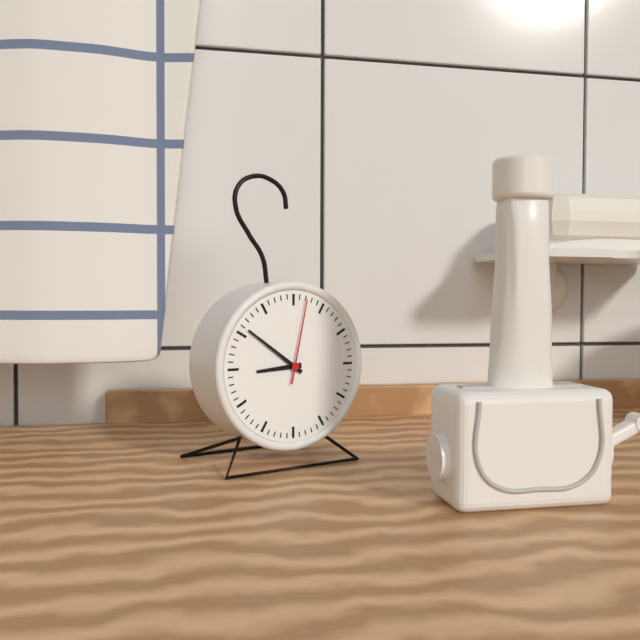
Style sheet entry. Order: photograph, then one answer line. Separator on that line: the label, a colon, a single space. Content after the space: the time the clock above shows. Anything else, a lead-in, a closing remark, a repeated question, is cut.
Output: 8:51:02
